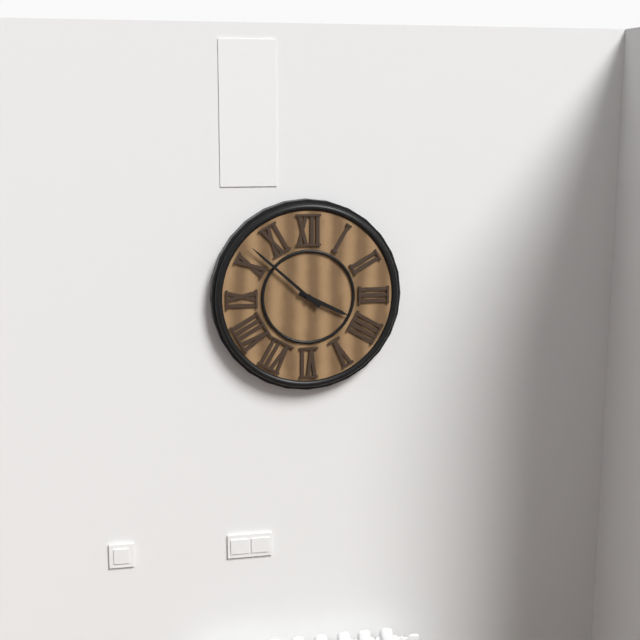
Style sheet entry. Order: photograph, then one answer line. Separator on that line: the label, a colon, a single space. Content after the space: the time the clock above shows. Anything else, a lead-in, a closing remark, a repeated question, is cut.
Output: 3:52
